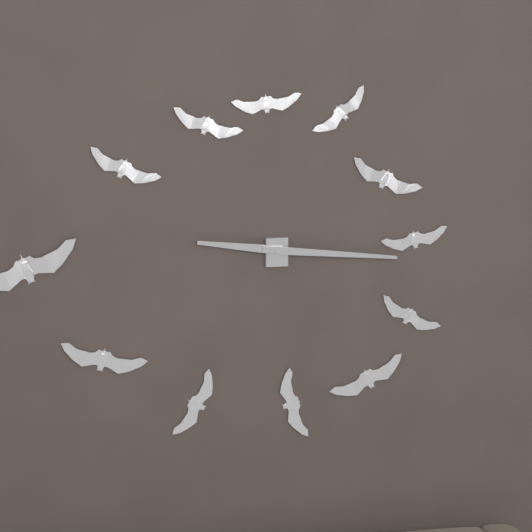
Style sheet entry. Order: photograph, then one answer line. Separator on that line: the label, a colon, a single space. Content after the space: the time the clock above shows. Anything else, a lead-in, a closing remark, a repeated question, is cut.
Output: 9:16
